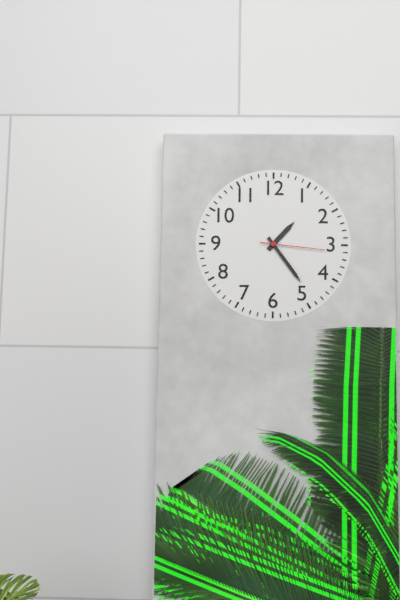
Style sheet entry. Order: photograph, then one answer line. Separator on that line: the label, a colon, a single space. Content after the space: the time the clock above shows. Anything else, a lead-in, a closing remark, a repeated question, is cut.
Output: 1:24:16
